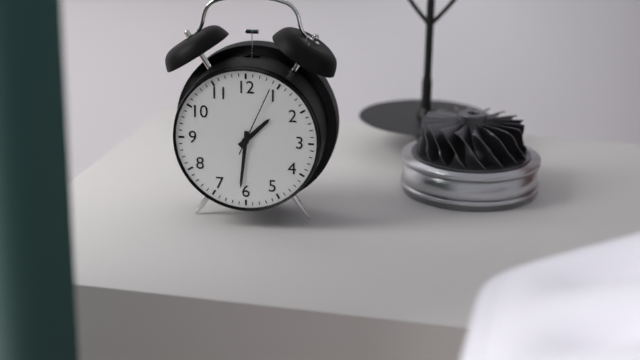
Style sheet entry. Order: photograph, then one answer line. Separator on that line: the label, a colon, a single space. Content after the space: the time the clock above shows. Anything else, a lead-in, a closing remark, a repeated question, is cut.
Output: 1:31:04
